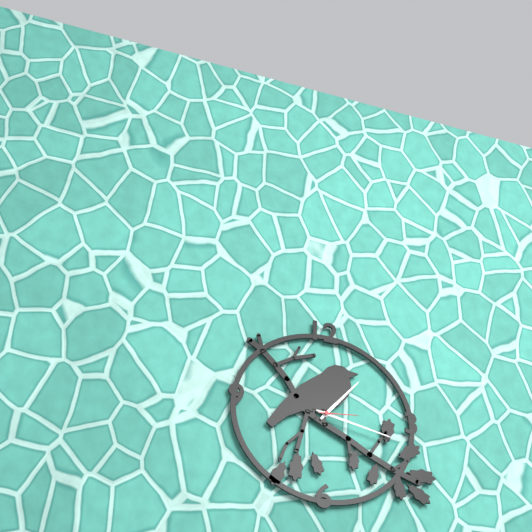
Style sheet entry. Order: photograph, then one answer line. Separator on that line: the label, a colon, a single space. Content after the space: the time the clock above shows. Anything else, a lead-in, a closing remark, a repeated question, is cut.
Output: 1:17
